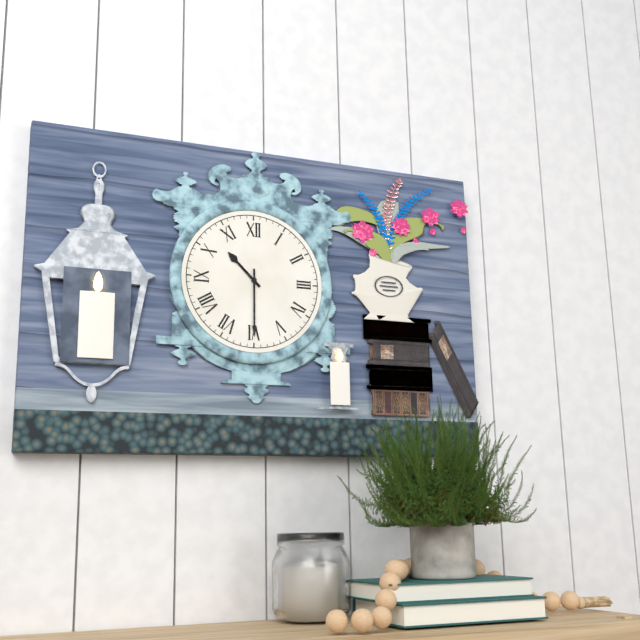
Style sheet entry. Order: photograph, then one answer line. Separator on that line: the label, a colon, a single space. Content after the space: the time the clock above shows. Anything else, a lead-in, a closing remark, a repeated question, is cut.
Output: 10:30
